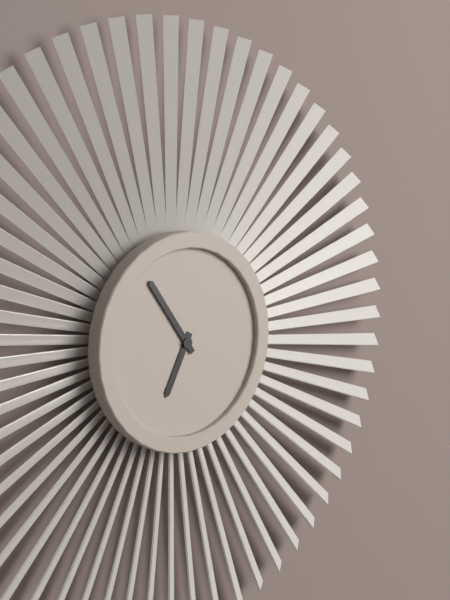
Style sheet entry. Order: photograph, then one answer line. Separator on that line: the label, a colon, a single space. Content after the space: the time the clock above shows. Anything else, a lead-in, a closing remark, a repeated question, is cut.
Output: 6:54
